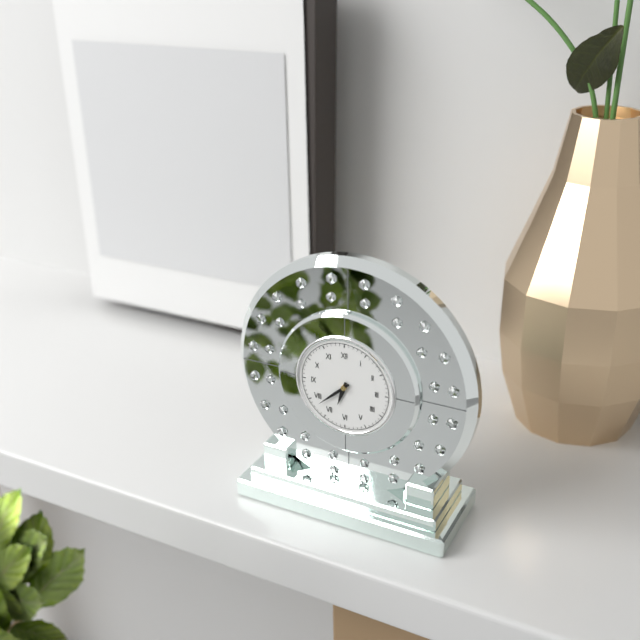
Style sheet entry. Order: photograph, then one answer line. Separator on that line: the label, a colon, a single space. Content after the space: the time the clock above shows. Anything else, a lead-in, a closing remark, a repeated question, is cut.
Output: 6:38
